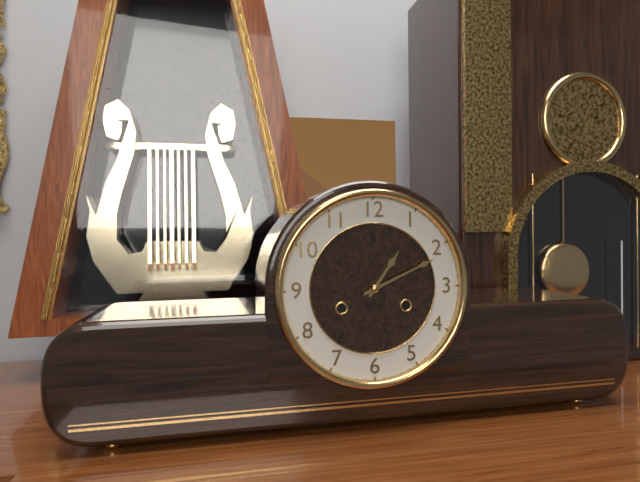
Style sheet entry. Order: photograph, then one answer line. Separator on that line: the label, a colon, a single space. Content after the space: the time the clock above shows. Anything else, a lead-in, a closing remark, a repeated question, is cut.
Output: 1:11
